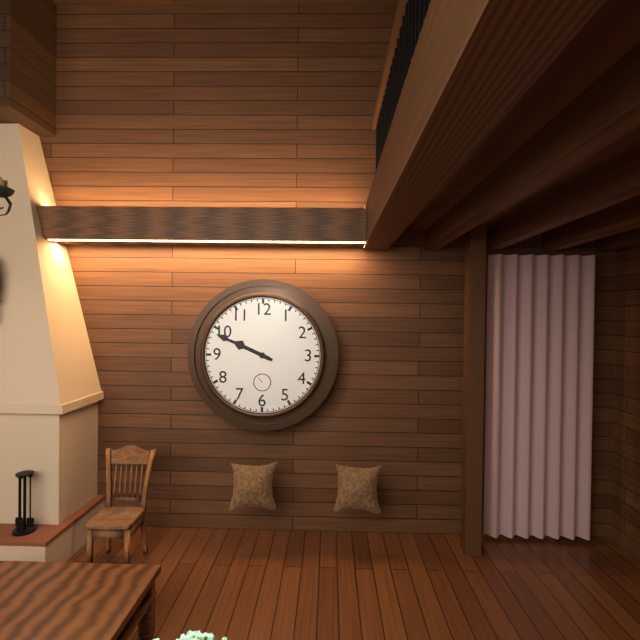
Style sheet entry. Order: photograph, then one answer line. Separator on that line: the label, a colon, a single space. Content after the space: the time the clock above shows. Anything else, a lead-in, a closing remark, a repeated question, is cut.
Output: 9:49
